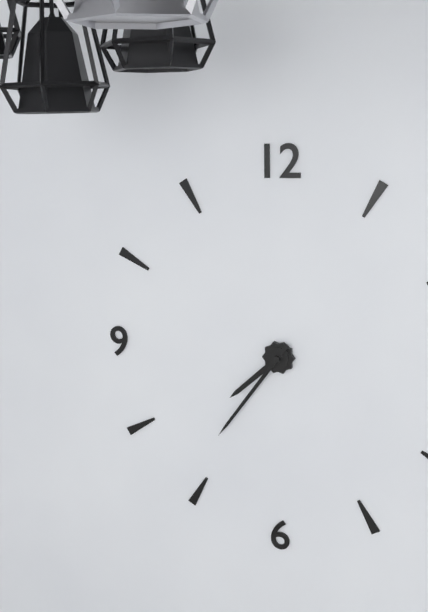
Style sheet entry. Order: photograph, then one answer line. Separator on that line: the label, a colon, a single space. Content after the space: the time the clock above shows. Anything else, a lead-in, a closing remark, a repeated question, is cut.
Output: 7:36
